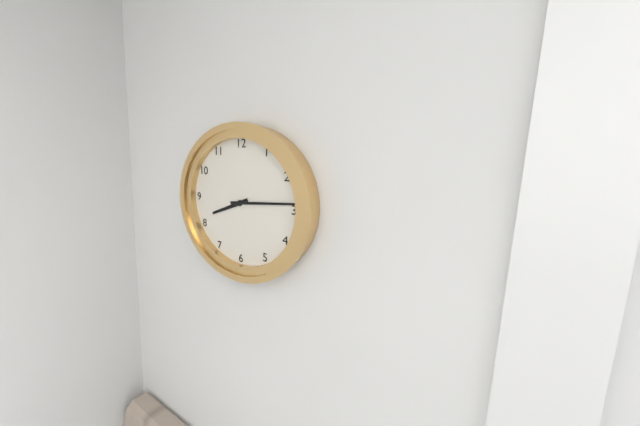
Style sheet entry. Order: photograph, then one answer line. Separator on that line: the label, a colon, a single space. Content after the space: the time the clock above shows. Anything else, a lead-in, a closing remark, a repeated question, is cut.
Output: 8:14
